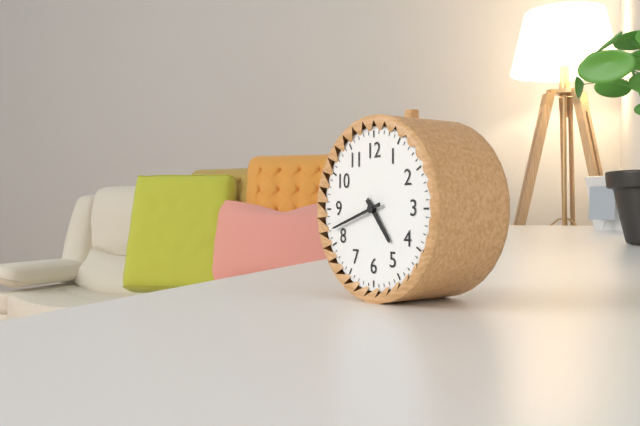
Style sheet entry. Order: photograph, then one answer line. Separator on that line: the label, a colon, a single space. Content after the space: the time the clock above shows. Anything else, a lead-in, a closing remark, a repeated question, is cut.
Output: 4:42
